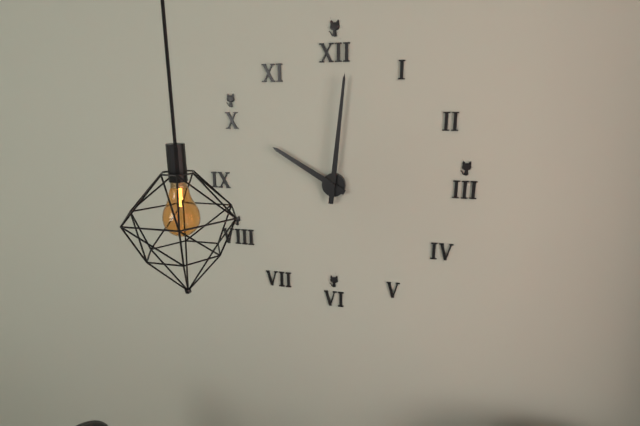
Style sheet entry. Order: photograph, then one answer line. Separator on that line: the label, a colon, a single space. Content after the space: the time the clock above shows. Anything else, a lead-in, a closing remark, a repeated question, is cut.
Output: 10:01
